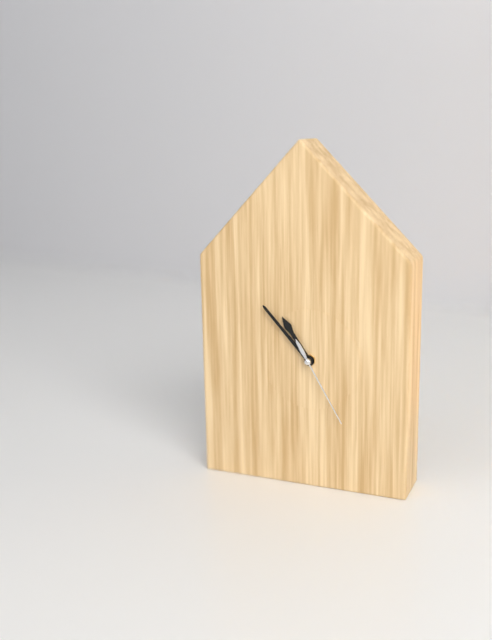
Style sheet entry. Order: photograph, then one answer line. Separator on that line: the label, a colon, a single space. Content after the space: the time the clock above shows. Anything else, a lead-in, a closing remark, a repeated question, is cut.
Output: 10:53:25
